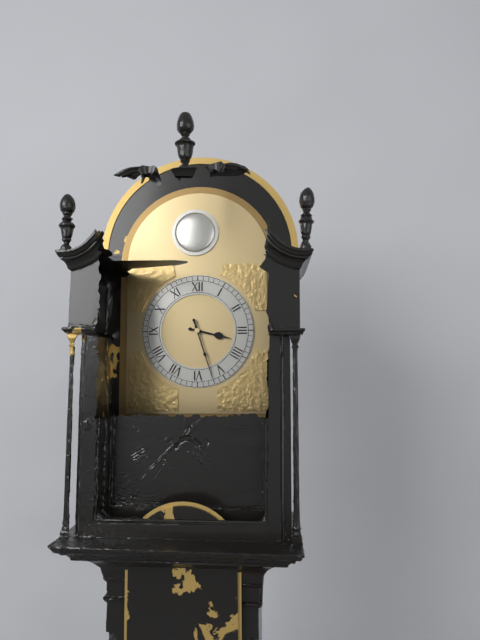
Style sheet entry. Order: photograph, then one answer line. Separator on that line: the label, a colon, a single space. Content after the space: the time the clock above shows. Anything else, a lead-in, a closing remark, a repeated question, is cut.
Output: 3:27
